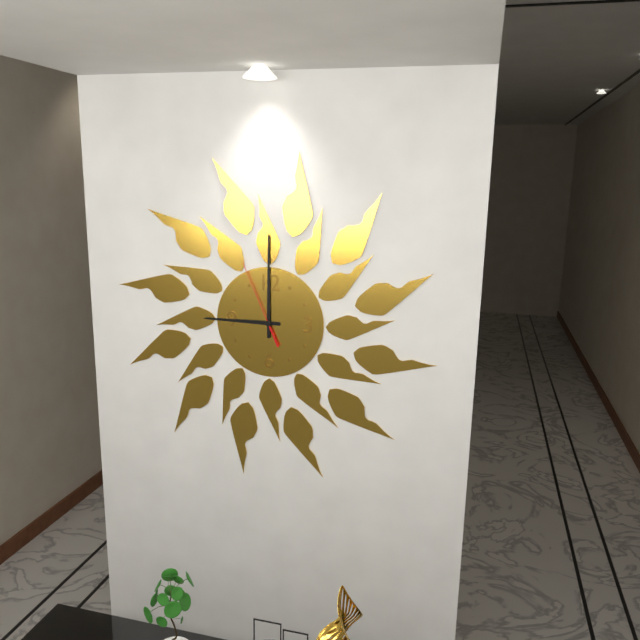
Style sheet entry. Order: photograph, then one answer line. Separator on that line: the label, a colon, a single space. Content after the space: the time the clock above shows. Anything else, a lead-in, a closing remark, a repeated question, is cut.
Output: 9:00:56
